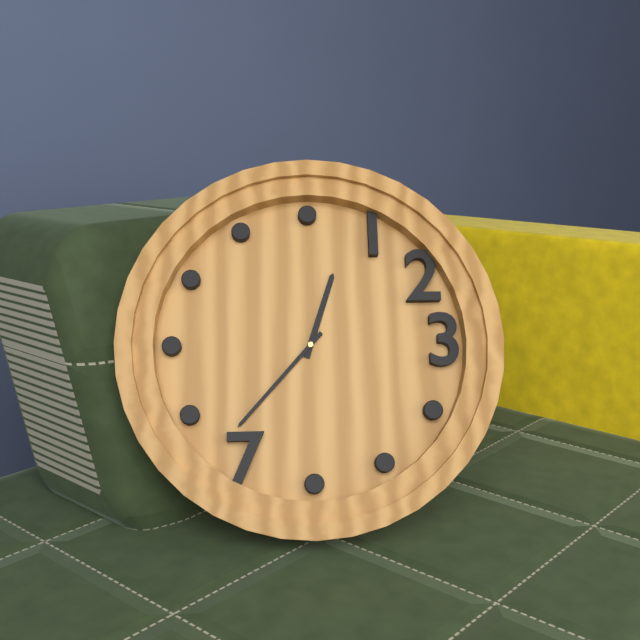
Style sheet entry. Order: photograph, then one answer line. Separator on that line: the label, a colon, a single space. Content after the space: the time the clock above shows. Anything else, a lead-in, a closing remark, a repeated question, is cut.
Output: 12:37
